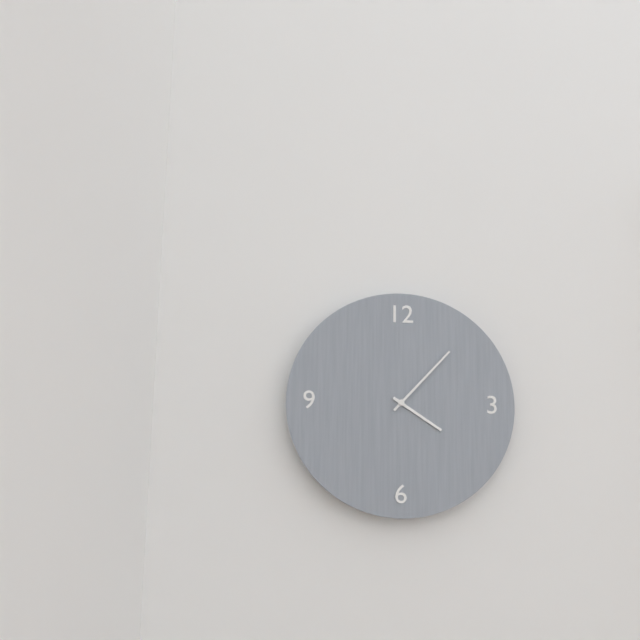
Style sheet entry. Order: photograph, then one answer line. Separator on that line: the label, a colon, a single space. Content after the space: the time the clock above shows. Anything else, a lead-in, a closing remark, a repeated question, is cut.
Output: 4:07
